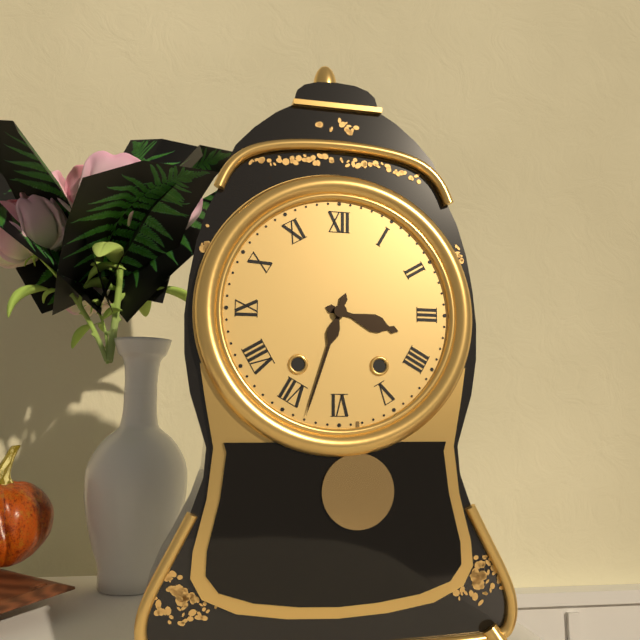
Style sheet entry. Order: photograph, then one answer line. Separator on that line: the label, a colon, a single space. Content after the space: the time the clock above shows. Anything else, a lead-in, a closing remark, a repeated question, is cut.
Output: 3:33
